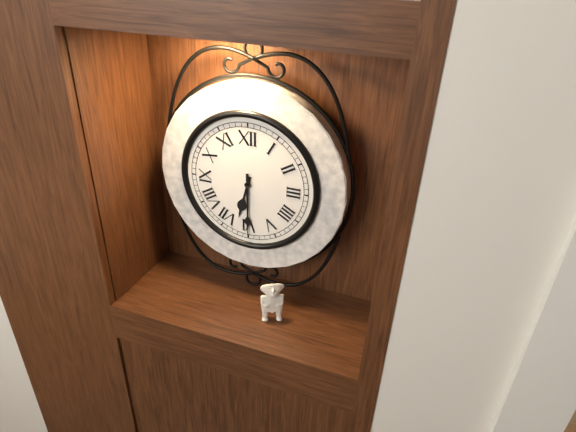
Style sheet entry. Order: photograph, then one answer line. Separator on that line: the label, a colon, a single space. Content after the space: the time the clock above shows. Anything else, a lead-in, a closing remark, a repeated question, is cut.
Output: 6:30
